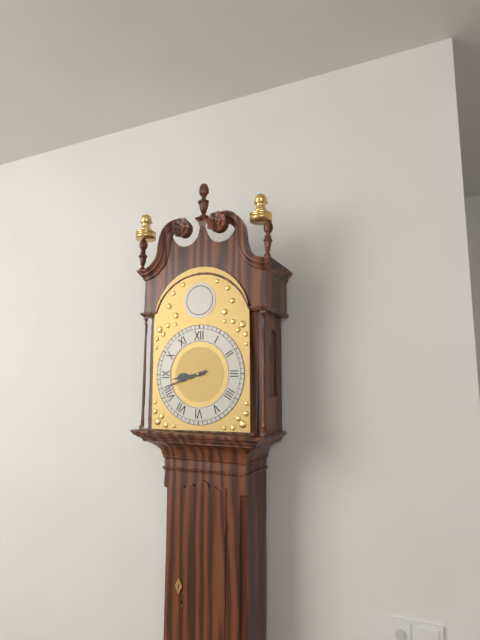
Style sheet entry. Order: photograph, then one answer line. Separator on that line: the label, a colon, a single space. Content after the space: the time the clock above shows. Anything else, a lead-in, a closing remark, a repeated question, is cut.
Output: 8:42
